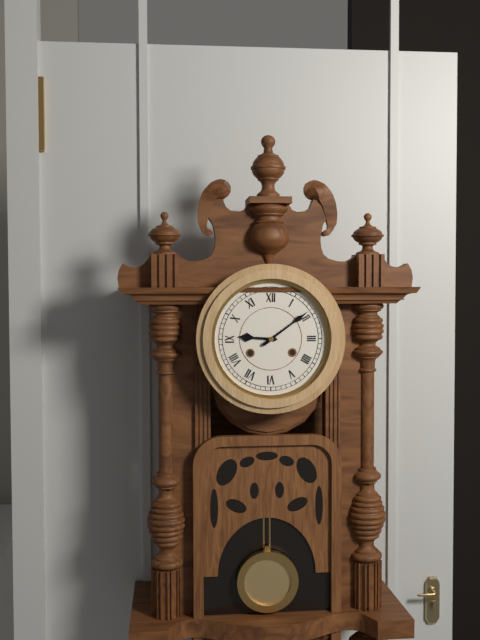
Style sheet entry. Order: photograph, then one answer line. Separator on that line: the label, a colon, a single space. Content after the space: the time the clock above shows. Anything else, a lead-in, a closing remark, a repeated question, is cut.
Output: 9:09
